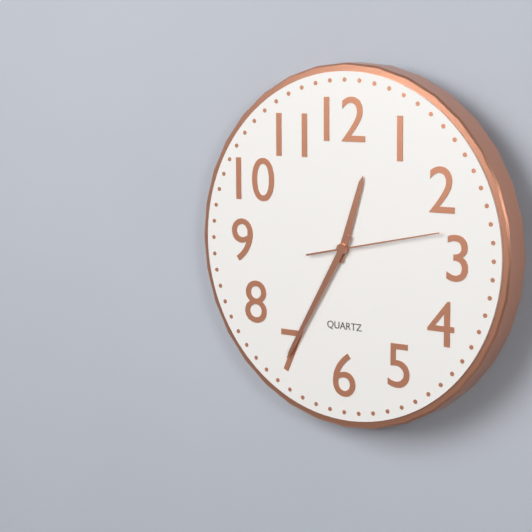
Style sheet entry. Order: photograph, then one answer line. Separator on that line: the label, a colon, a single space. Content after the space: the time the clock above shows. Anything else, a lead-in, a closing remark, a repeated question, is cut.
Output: 12:35:13
